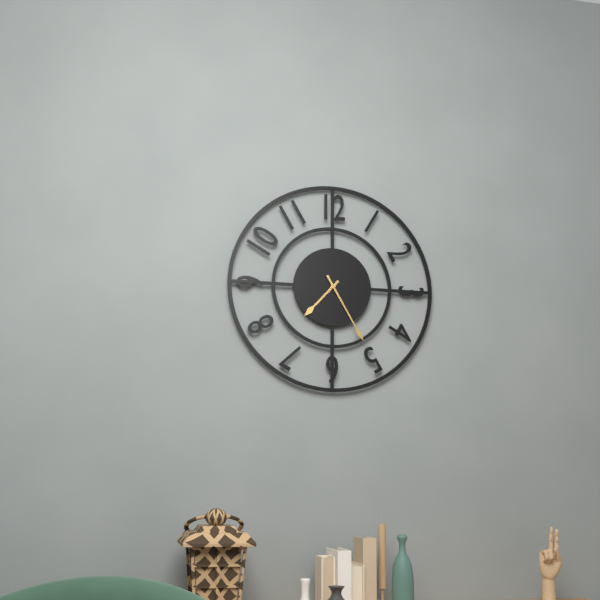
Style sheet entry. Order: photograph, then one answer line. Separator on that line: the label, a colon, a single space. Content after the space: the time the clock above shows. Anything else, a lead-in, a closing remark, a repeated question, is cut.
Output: 7:25
